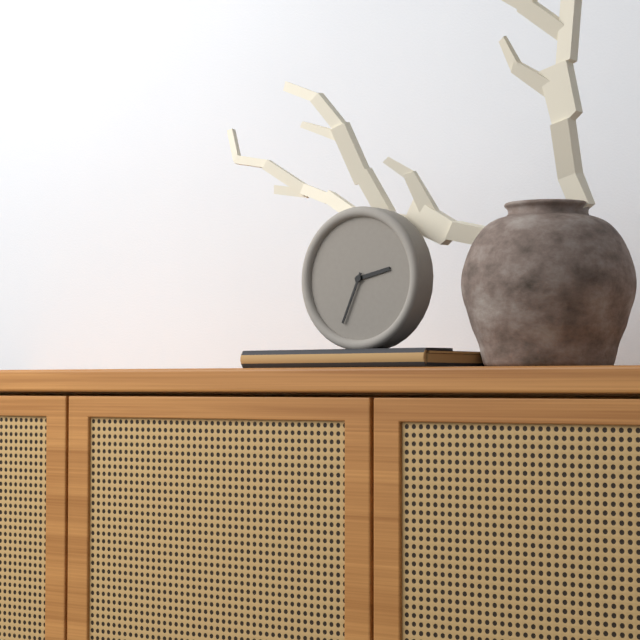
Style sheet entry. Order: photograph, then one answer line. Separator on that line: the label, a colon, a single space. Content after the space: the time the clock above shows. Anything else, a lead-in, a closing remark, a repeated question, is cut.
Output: 2:34
